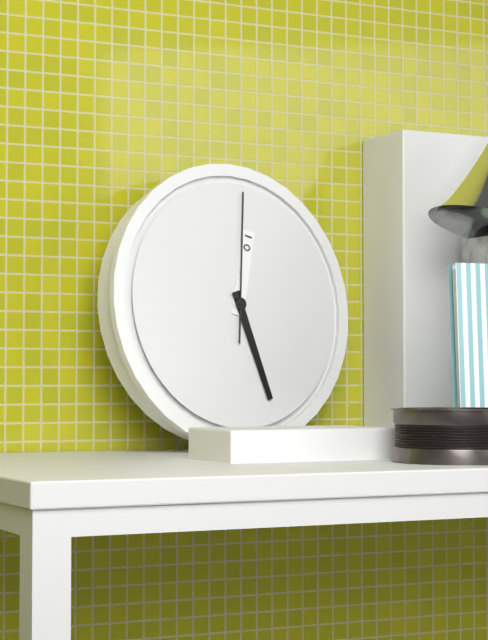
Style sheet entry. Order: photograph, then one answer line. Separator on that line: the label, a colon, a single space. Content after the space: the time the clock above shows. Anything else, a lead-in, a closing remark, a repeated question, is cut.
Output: 12:27:01
